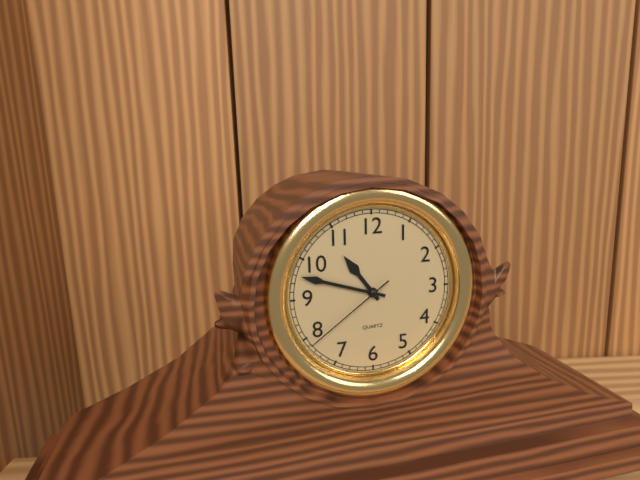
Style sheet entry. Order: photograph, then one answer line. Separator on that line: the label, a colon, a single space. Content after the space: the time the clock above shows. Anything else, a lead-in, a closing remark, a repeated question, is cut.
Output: 10:48:39
